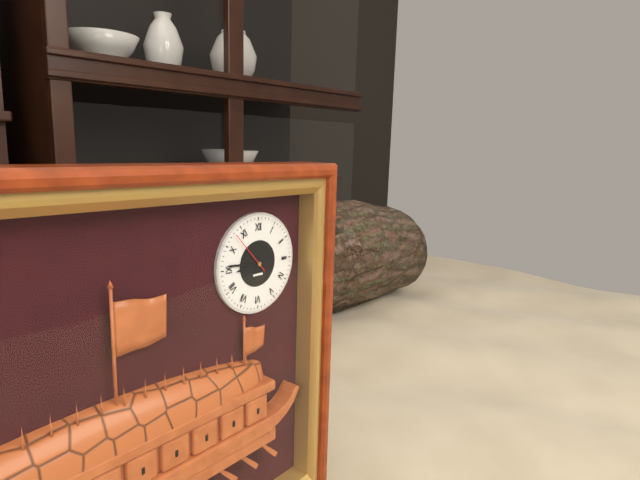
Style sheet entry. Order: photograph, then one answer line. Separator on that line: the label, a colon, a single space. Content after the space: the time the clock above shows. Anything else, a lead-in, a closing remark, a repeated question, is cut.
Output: 8:46
